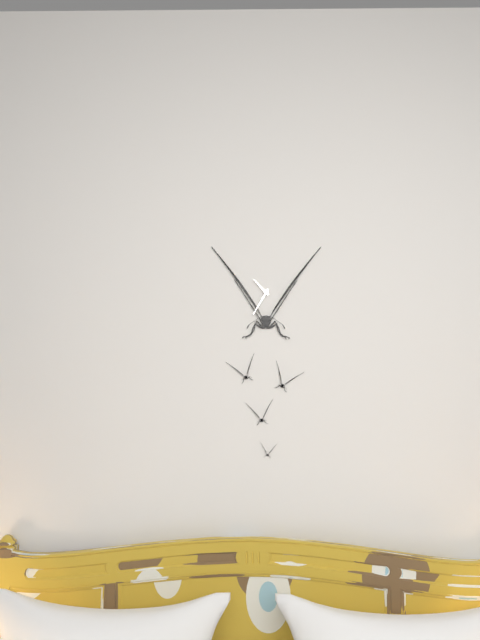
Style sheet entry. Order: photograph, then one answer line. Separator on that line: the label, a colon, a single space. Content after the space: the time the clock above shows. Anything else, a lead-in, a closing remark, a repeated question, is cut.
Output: 10:35
